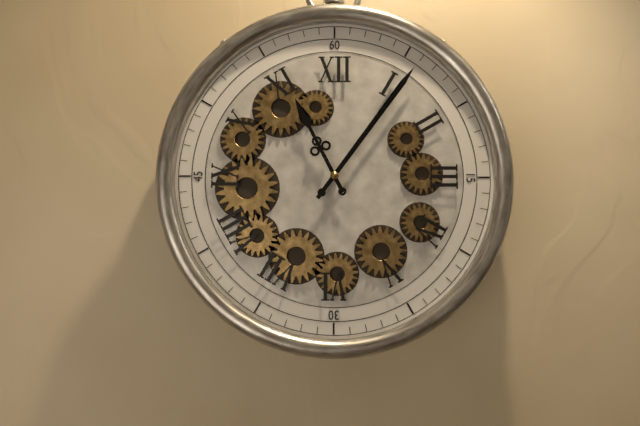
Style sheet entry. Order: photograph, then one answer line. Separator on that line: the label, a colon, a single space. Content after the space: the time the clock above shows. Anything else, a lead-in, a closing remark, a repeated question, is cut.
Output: 11:06
